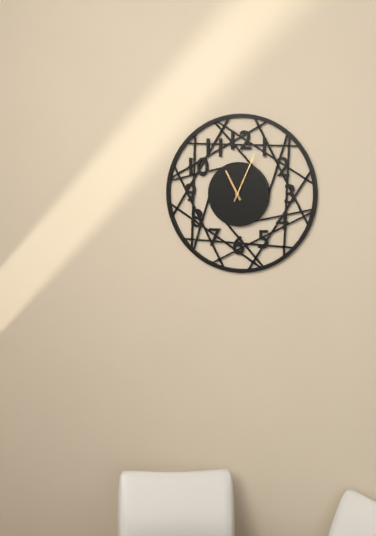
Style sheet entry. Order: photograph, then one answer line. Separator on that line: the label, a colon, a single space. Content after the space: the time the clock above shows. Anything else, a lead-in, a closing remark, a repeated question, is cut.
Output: 11:04
